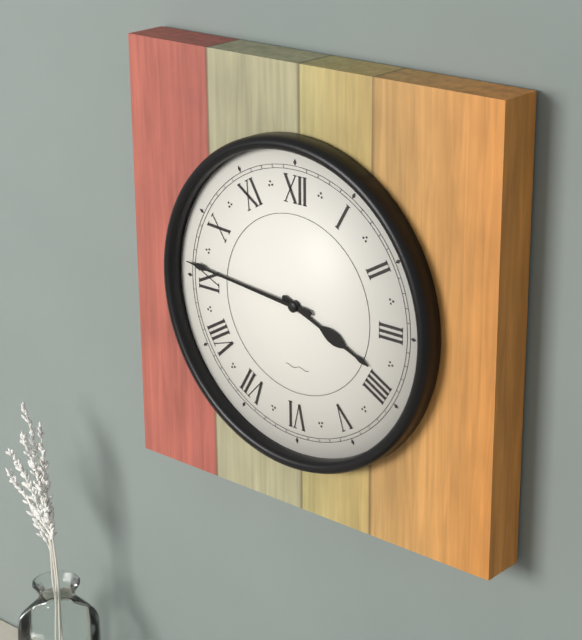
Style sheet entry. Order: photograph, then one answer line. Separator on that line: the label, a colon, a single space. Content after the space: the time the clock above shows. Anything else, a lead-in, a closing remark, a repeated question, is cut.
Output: 3:46
